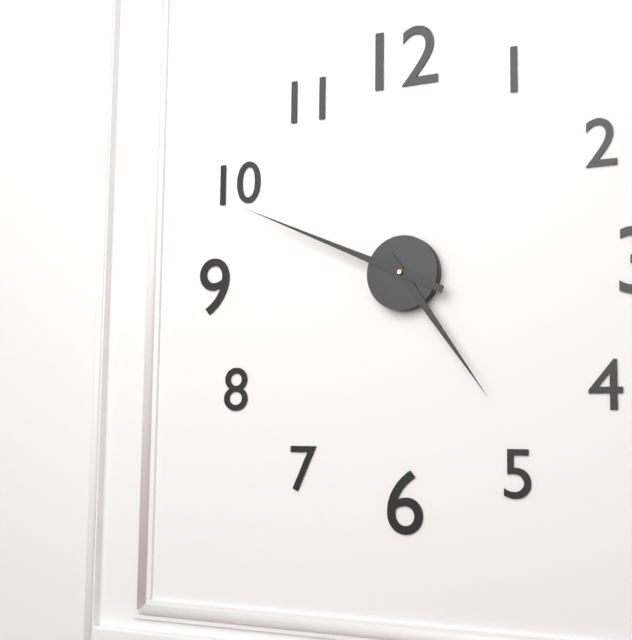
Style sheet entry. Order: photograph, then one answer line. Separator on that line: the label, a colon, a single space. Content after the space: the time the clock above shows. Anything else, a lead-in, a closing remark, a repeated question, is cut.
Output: 4:49
